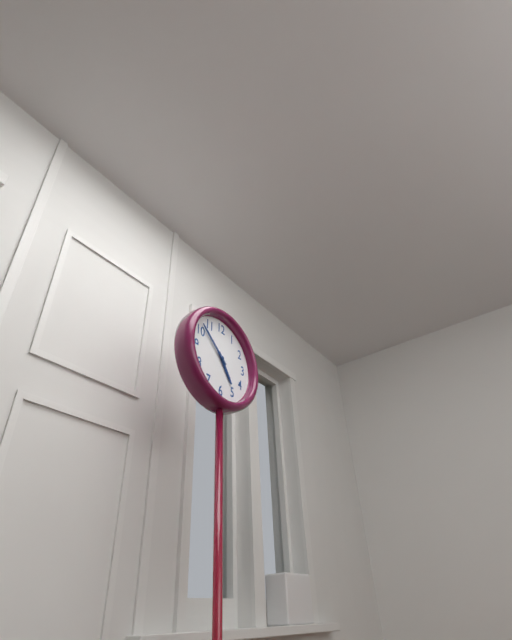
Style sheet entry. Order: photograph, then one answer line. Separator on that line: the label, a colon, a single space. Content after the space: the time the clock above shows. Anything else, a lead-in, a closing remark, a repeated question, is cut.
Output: 4:52
